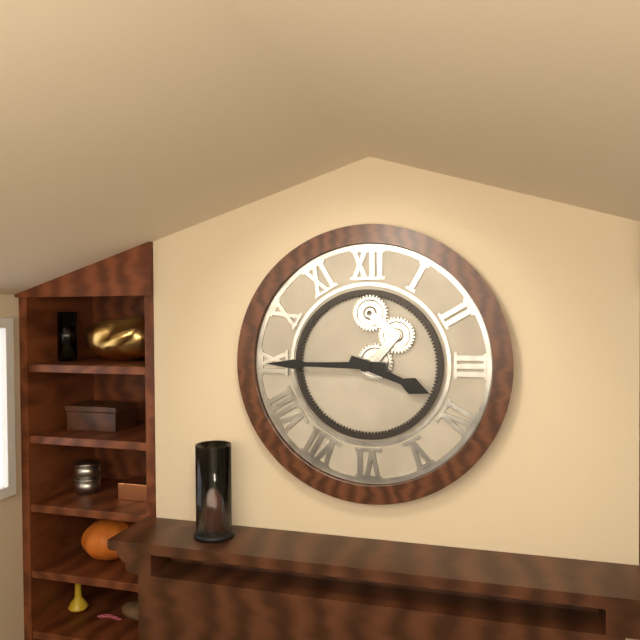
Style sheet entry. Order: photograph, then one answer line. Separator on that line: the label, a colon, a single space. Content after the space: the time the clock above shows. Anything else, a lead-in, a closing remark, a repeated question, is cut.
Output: 3:45
